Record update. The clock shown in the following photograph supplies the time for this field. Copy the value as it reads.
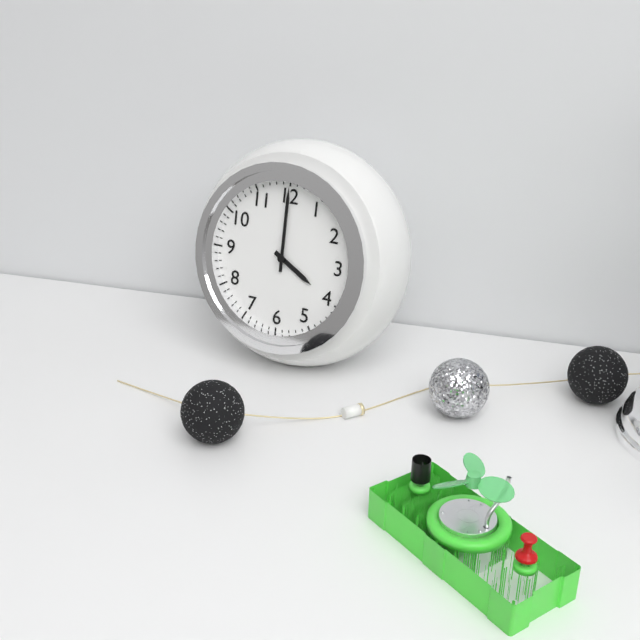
4:00
